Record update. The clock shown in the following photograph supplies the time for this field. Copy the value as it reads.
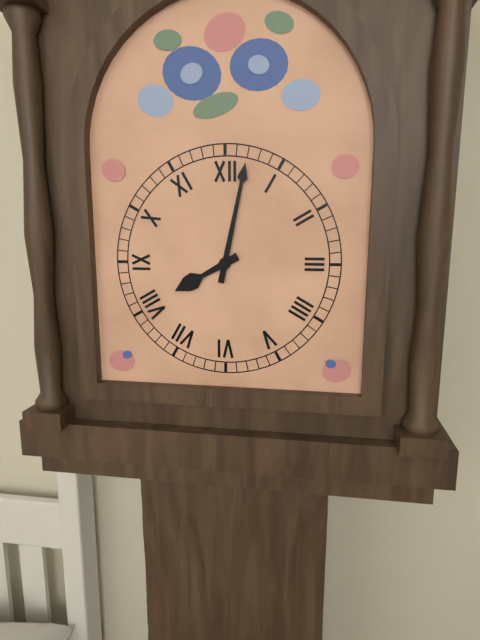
8:02
